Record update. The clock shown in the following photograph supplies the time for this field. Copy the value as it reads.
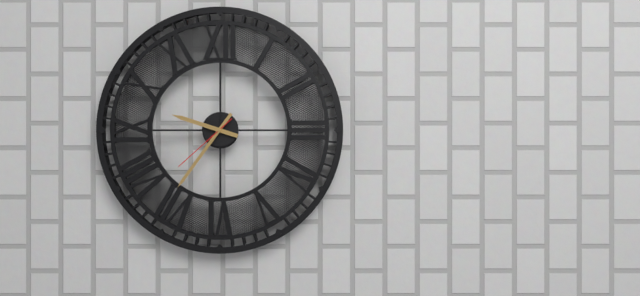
9:36:38
